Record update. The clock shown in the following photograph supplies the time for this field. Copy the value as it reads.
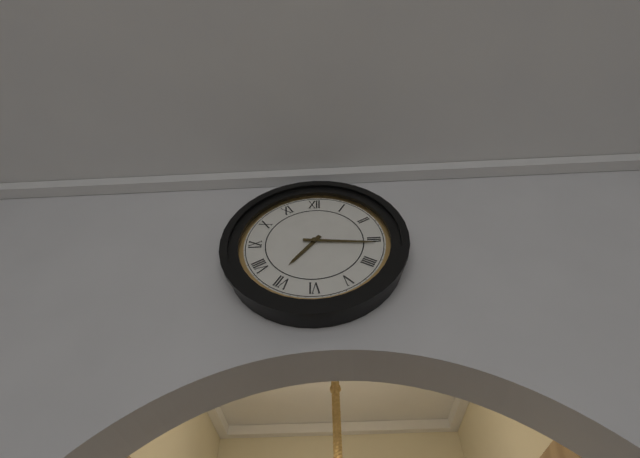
7:16
